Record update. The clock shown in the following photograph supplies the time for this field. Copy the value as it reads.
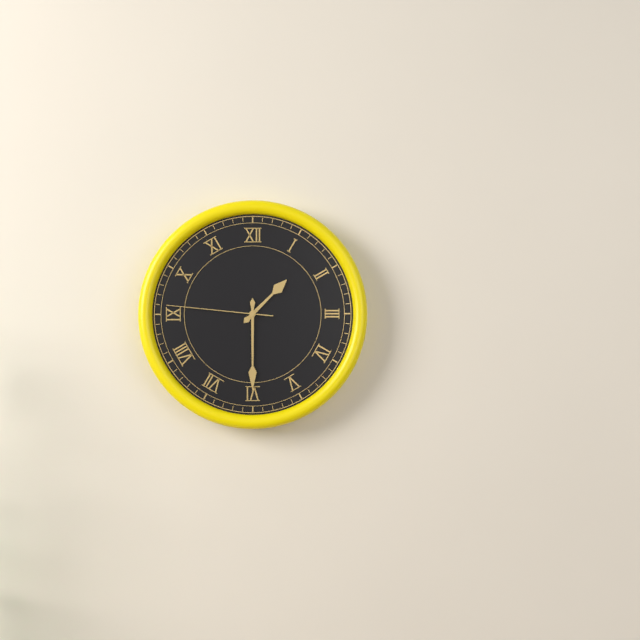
1:30:46
